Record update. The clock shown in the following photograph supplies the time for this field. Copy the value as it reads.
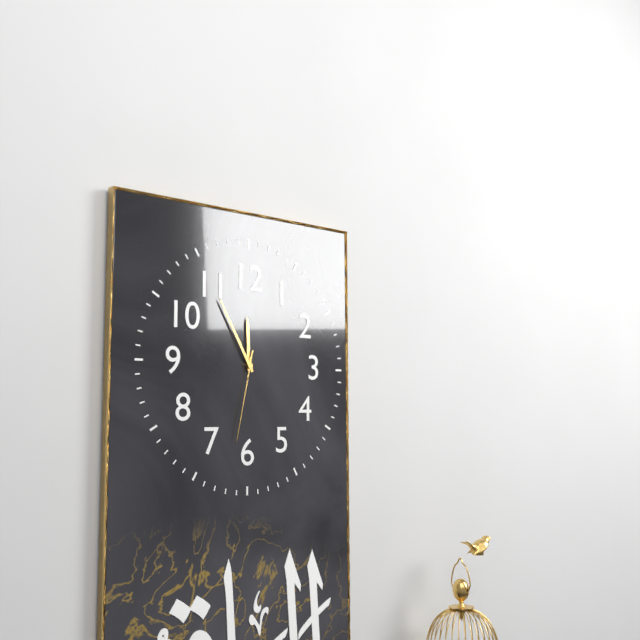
11:55:32
